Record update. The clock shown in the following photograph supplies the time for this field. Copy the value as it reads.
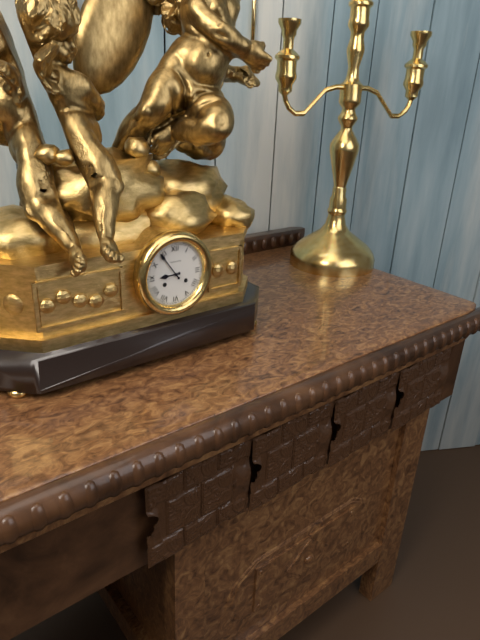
8:54
